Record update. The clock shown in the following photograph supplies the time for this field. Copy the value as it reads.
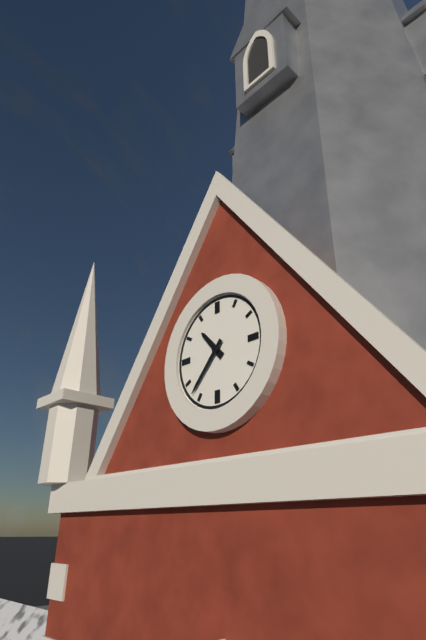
10:37
